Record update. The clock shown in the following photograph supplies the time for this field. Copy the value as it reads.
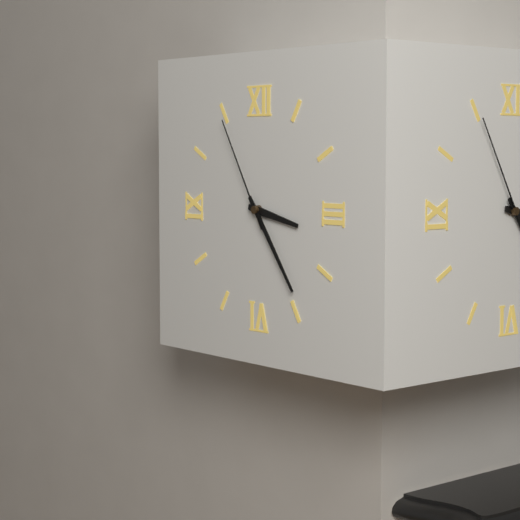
3:24:55
